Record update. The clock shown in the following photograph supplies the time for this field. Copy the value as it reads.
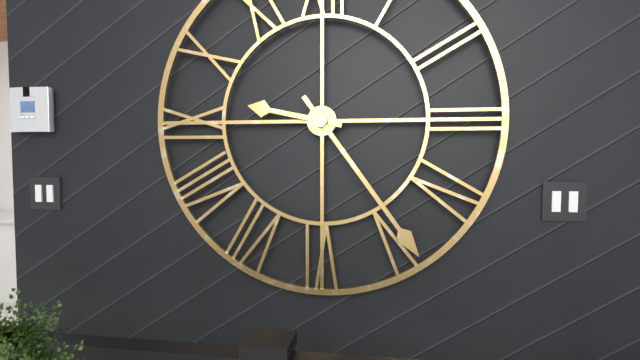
9:24
